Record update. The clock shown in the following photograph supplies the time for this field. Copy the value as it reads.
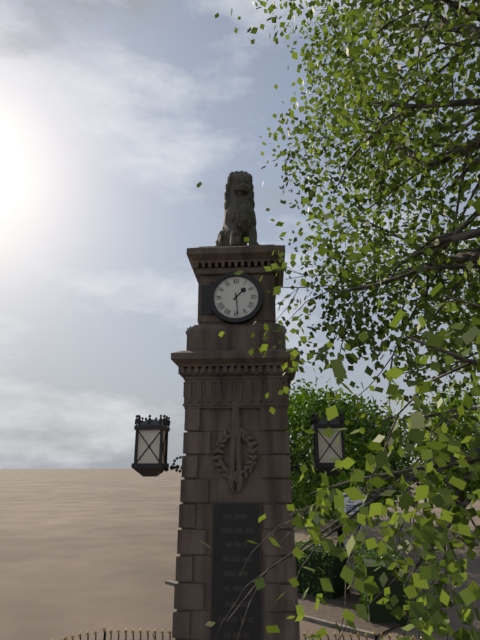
1:29
